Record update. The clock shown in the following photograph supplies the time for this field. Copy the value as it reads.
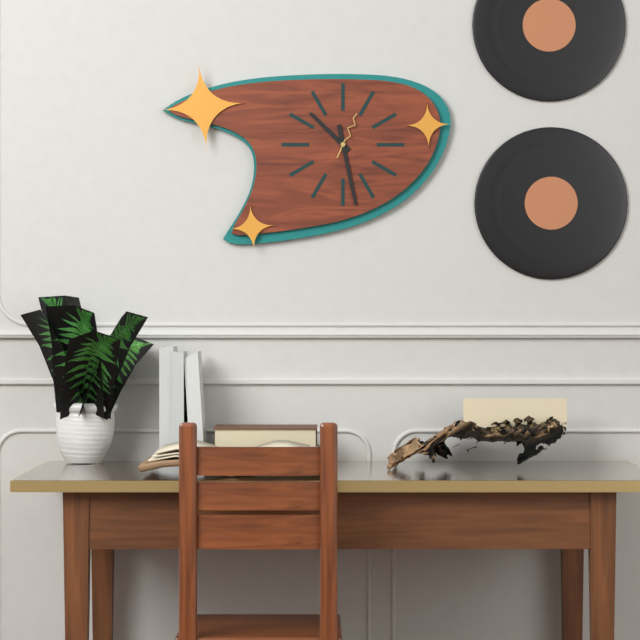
10:28
